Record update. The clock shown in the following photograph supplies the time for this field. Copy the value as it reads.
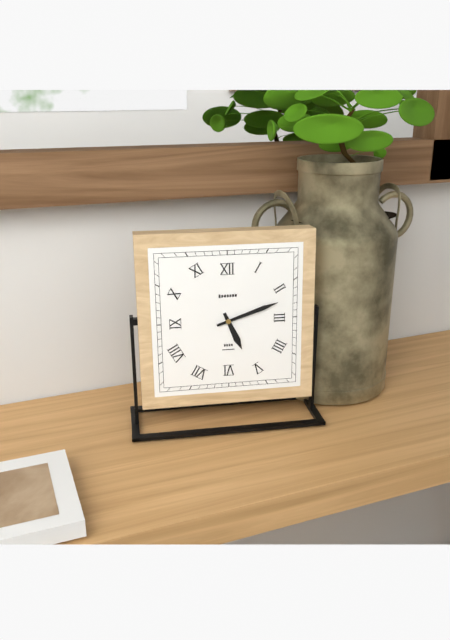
5:12
